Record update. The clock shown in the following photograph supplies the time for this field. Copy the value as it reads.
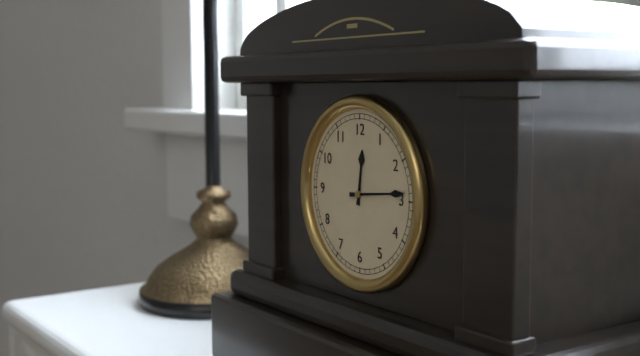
12:14
